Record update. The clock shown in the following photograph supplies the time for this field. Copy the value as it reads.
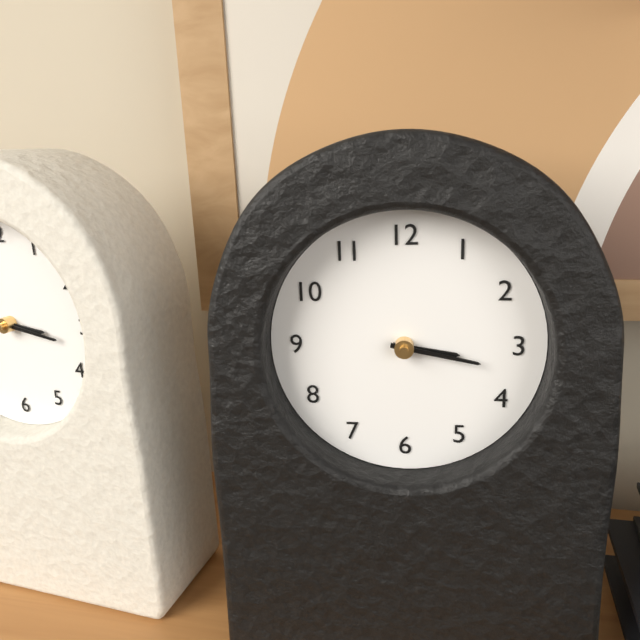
3:17
